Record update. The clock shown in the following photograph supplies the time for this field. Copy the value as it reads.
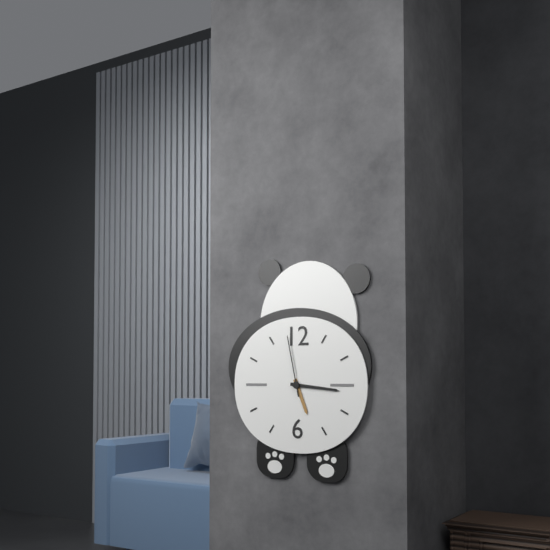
5:16:58
